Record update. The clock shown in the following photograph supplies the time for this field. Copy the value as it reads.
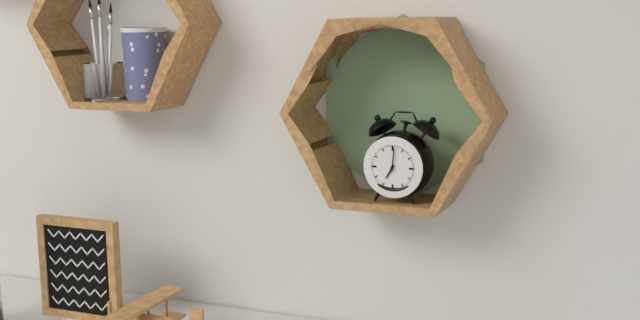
7:01
